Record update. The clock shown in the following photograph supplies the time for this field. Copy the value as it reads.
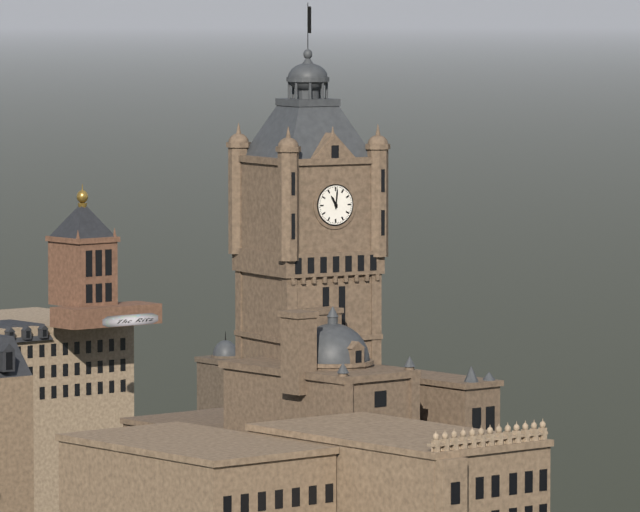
11:01
